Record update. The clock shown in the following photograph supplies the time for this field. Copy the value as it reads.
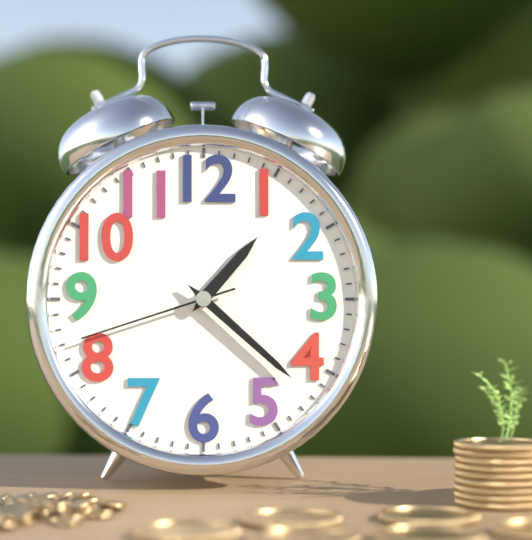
1:22:42
